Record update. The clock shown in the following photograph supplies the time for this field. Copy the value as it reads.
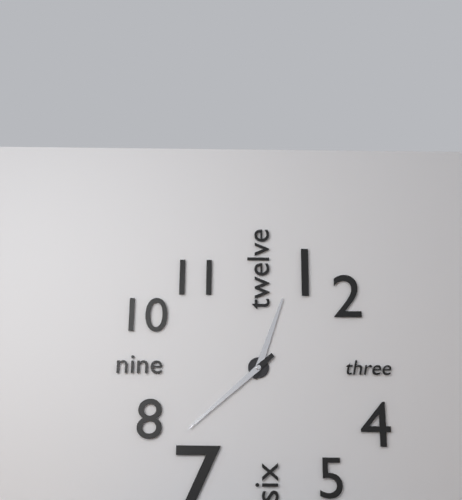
12:38
